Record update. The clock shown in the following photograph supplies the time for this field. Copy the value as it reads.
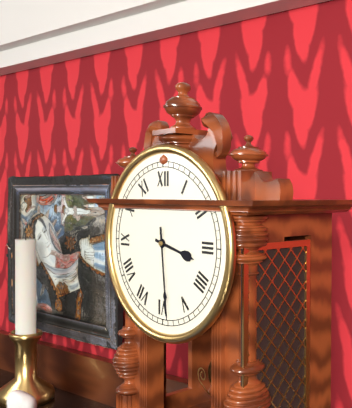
3:29
